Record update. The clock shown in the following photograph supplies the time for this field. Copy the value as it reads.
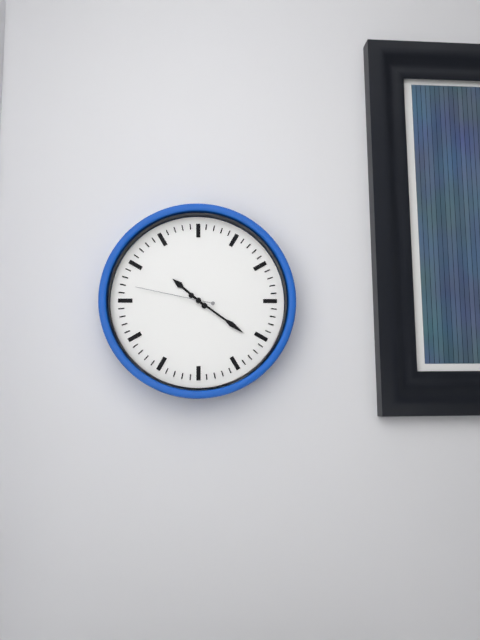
10:21:47
